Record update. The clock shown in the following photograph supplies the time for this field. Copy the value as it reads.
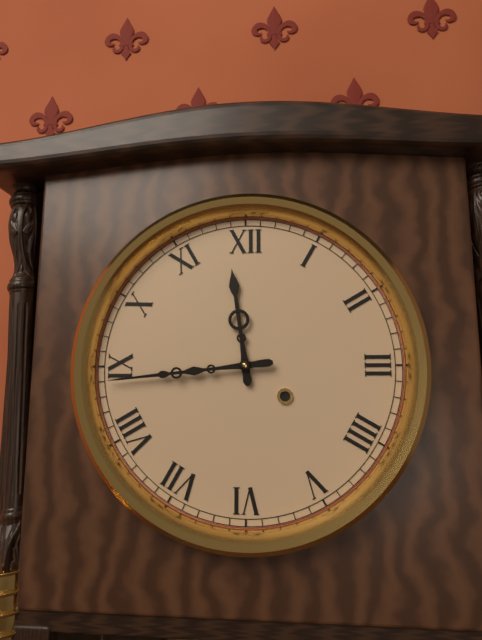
11:44
